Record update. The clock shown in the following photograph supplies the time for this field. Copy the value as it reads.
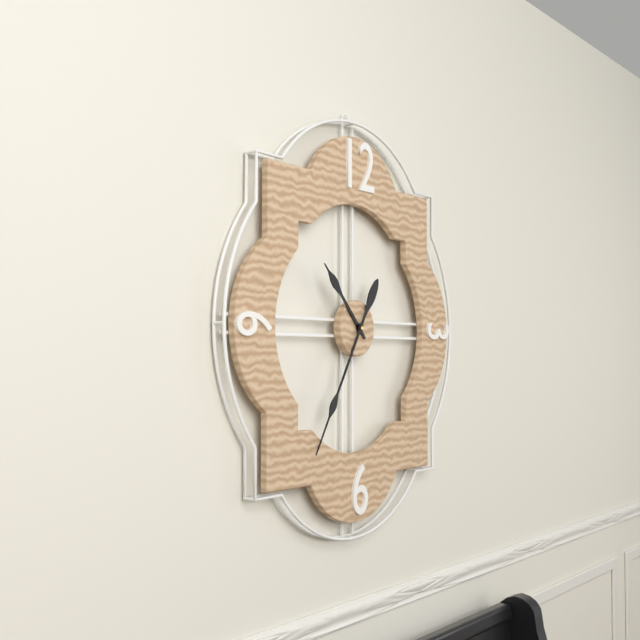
10:35
